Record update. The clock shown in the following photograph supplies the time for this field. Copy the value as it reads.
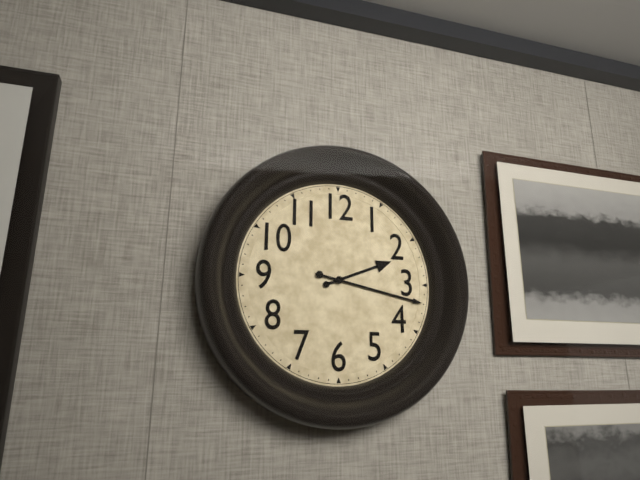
2:17
